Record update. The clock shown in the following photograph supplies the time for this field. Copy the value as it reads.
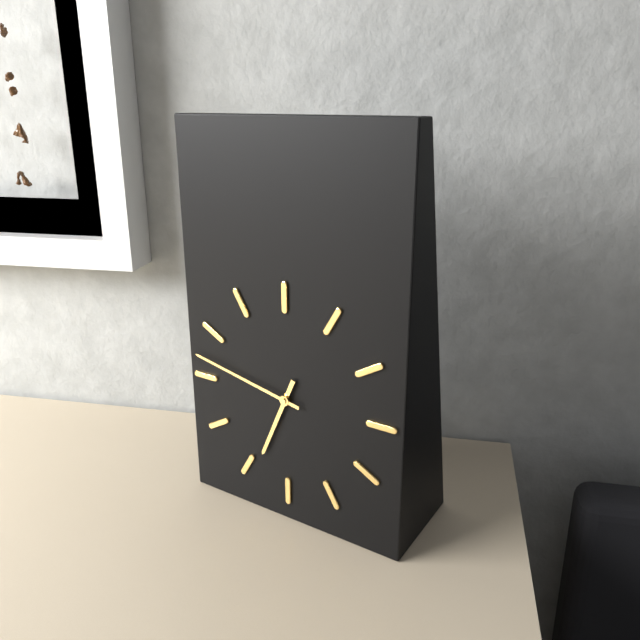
6:47
